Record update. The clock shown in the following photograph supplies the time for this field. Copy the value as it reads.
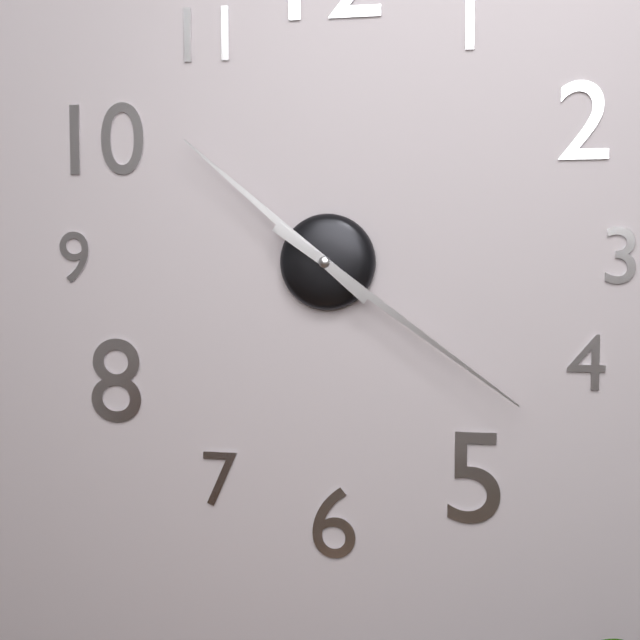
10:21
